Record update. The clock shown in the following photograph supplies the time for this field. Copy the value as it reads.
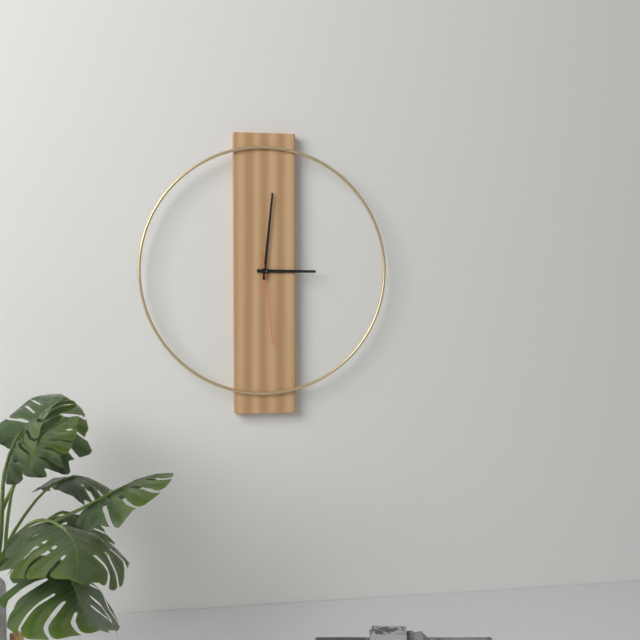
3:01:29
